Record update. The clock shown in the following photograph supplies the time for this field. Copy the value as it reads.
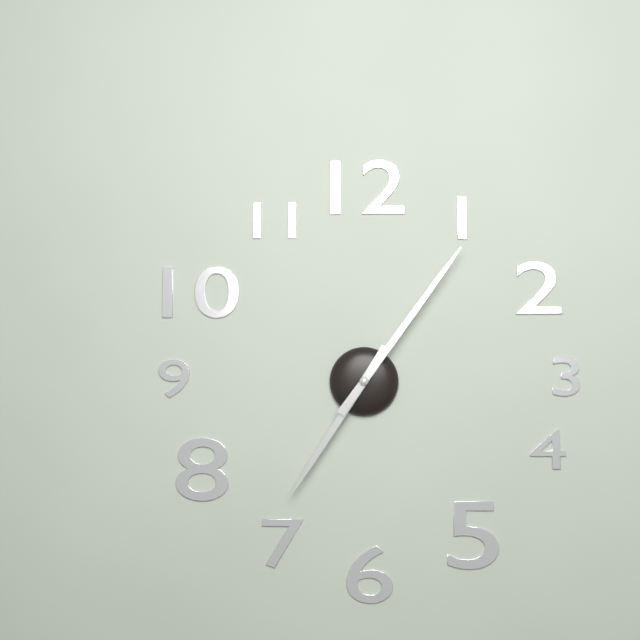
7:06
